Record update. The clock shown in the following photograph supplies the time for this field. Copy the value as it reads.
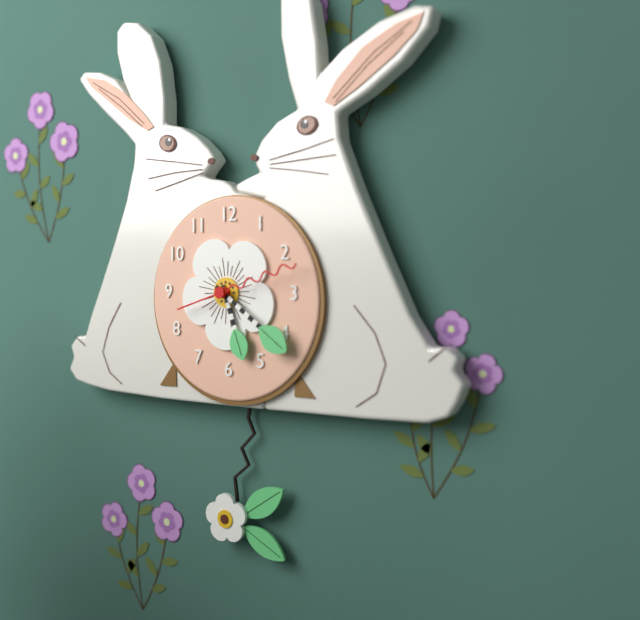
5:21:12
